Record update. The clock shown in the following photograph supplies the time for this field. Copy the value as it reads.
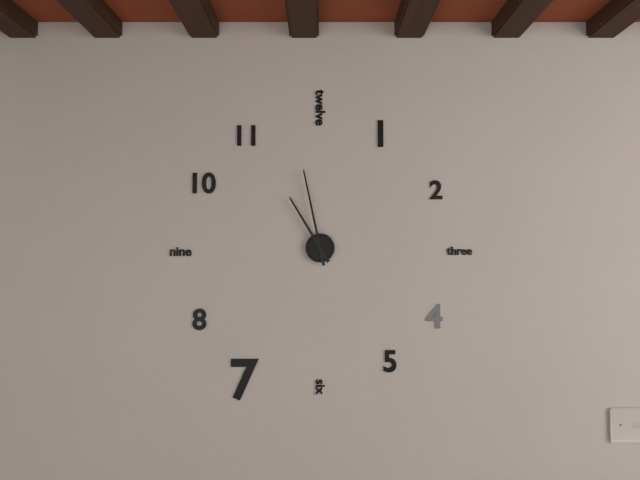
10:58
